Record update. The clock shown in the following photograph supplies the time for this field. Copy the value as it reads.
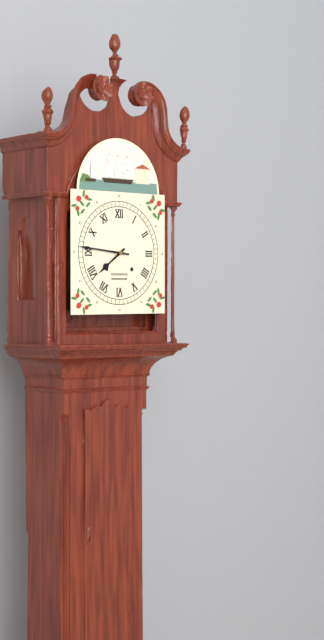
7:46
